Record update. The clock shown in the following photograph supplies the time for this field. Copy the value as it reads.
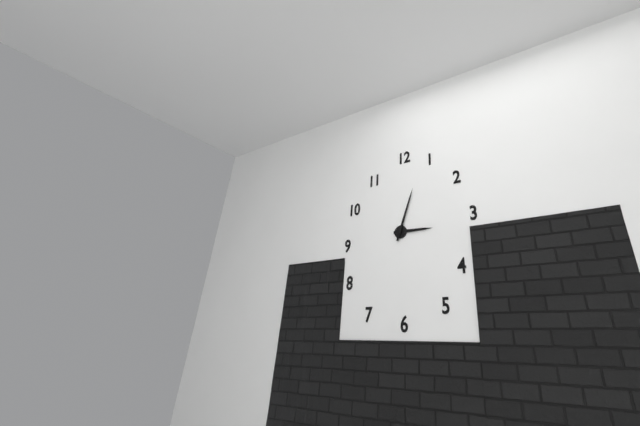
3:03
